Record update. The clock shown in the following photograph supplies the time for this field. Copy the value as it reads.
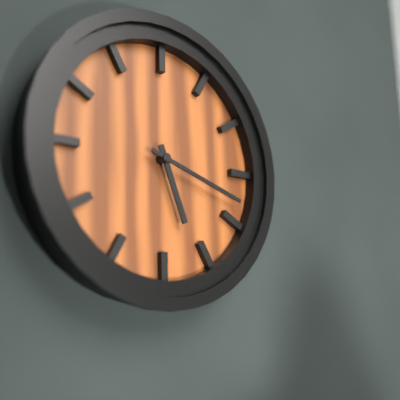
5:18
